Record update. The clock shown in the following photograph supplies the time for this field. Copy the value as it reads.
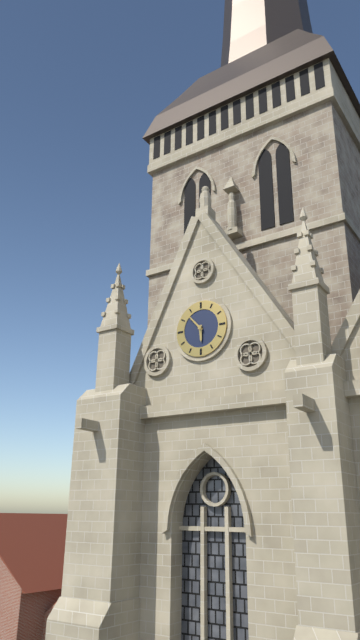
5:53
